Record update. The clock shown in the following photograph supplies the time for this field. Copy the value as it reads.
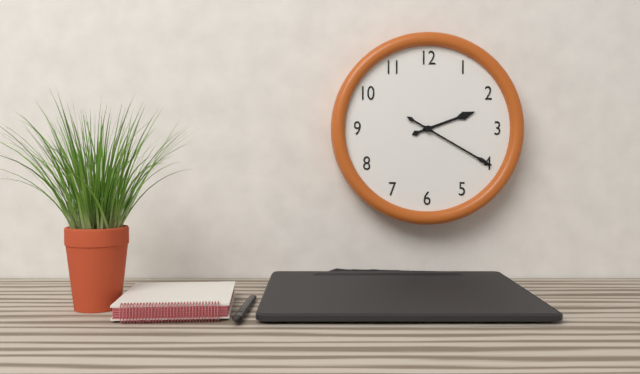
2:20
